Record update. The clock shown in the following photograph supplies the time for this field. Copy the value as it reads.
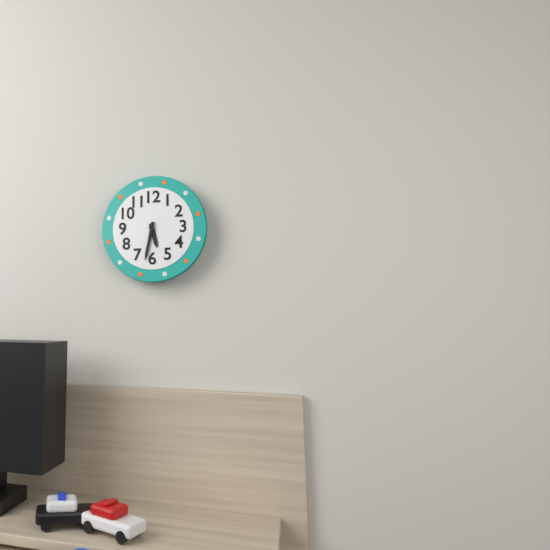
5:32
